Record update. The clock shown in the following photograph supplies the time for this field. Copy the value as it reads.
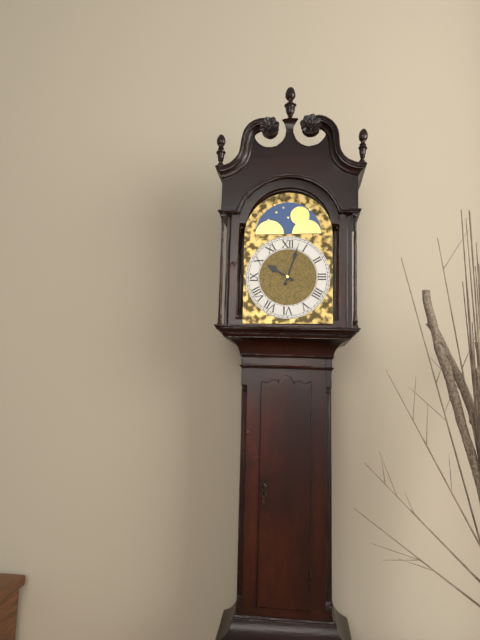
10:03
